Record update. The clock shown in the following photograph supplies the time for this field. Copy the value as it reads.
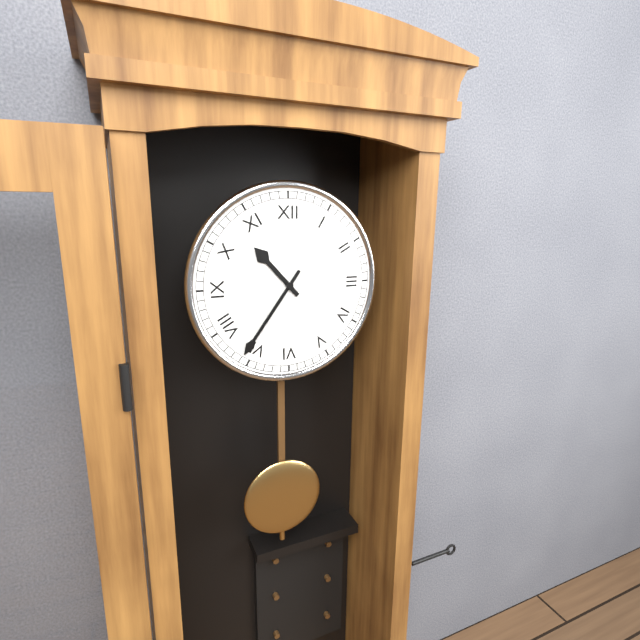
10:36
